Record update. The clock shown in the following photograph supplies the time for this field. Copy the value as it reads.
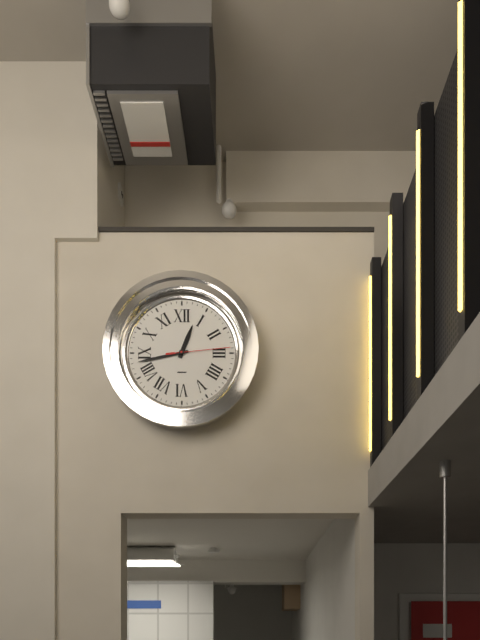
12:43:14
